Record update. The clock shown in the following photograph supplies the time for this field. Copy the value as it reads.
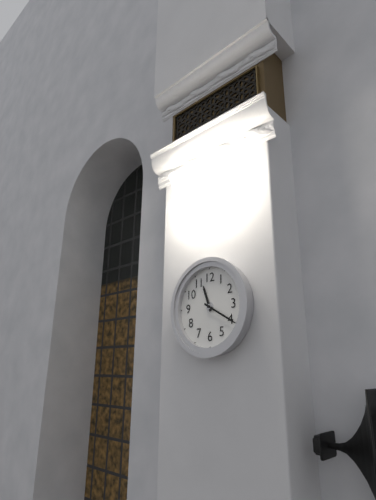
11:20
